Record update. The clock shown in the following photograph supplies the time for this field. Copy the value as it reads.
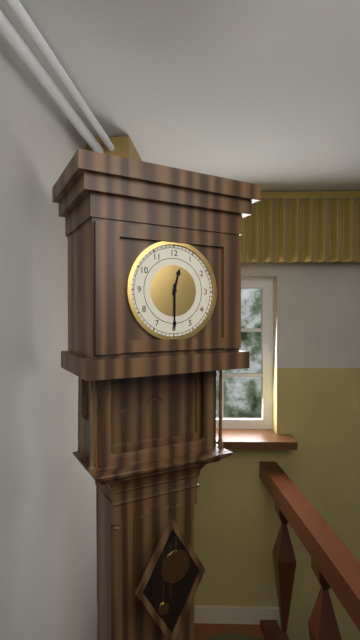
12:30
